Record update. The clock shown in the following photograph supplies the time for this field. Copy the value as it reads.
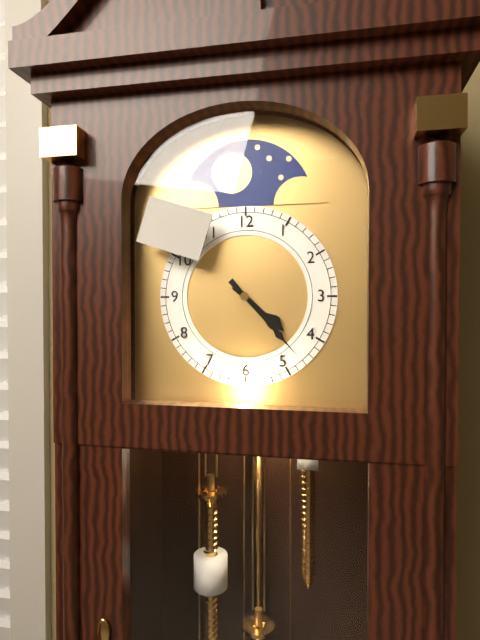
4:23
